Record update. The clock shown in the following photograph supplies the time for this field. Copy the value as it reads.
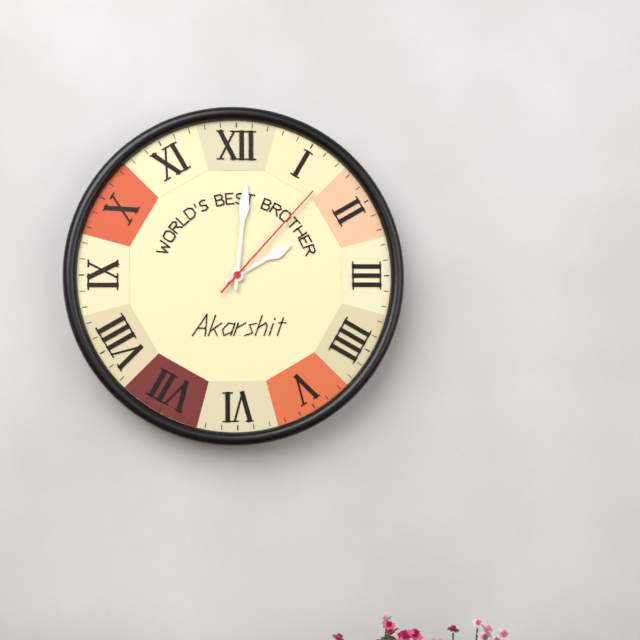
2:01:07
